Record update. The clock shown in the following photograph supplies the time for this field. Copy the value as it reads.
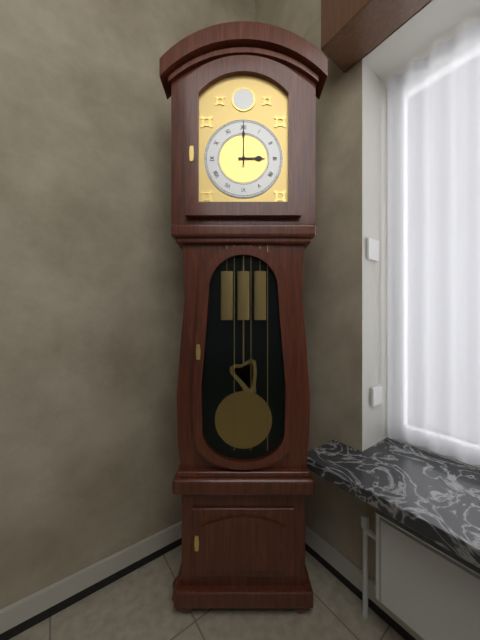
3:00
